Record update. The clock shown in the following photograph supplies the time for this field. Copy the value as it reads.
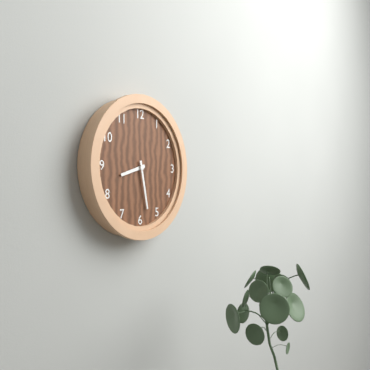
8:28
